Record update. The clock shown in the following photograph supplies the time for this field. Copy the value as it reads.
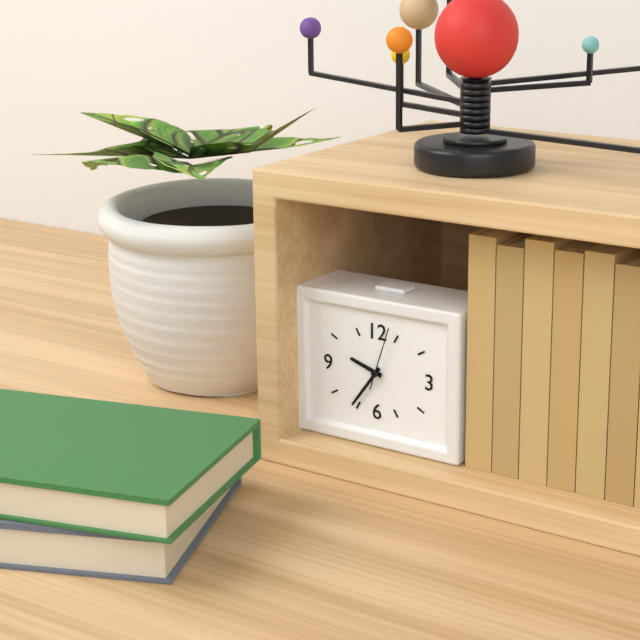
9:36:03
